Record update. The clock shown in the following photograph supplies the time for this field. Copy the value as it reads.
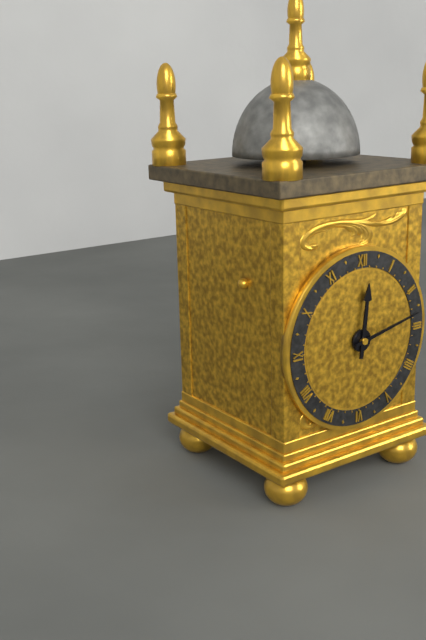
12:13
